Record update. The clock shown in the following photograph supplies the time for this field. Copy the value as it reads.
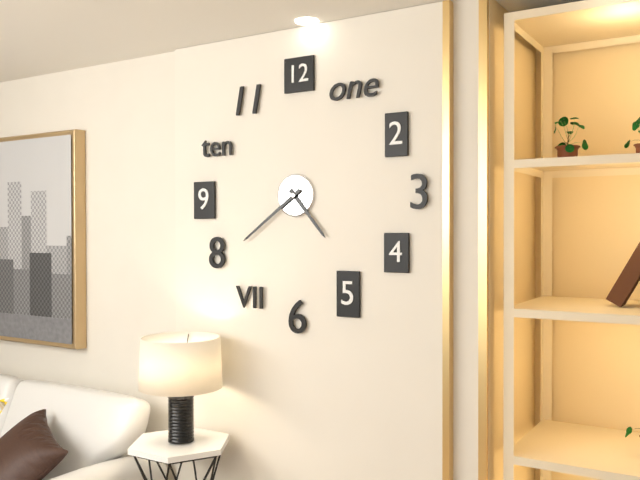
4:39
